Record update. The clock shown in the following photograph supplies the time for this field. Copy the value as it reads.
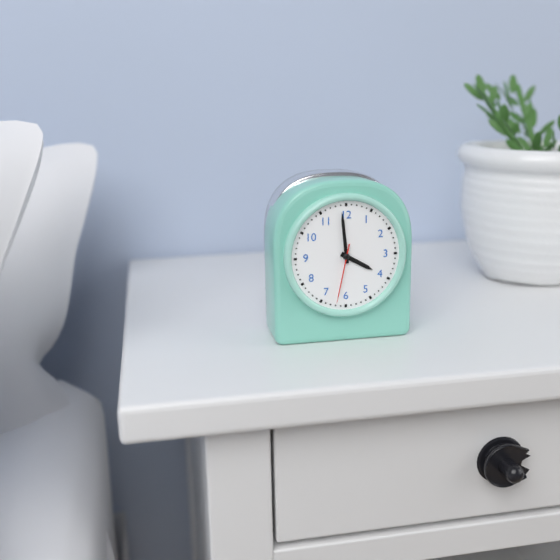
3:59:32
